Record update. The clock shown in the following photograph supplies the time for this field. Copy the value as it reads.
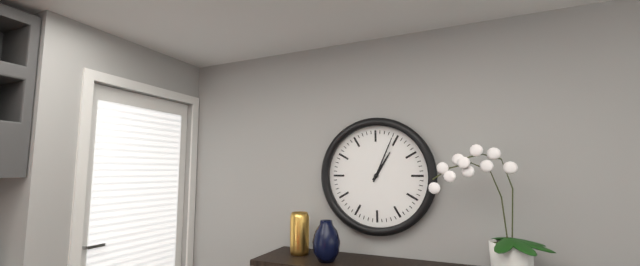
1:04
